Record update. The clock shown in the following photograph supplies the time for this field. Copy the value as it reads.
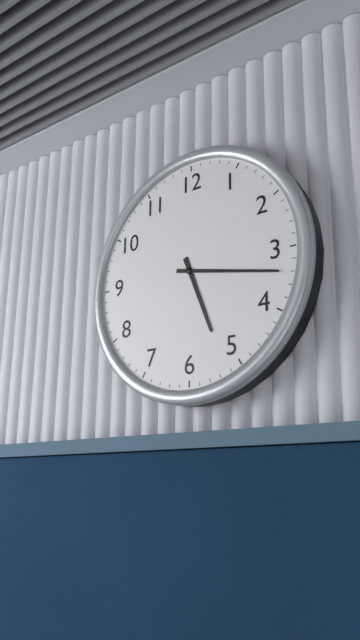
5:17
